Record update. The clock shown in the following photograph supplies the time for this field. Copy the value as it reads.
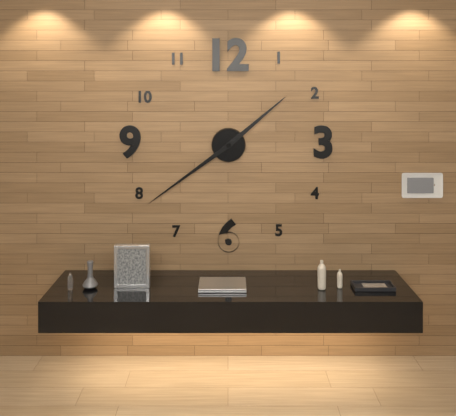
1:39
